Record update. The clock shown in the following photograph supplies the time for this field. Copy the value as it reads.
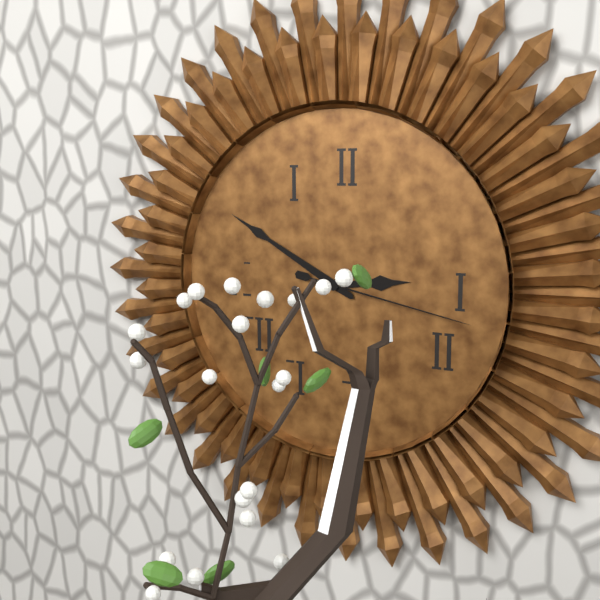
2:50:17
